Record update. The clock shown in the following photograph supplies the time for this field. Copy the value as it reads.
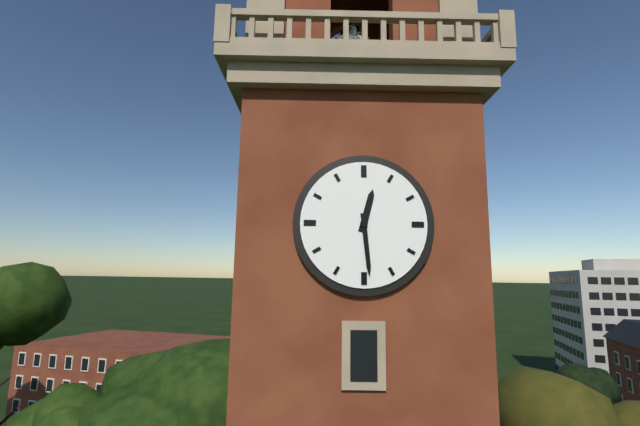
12:29
